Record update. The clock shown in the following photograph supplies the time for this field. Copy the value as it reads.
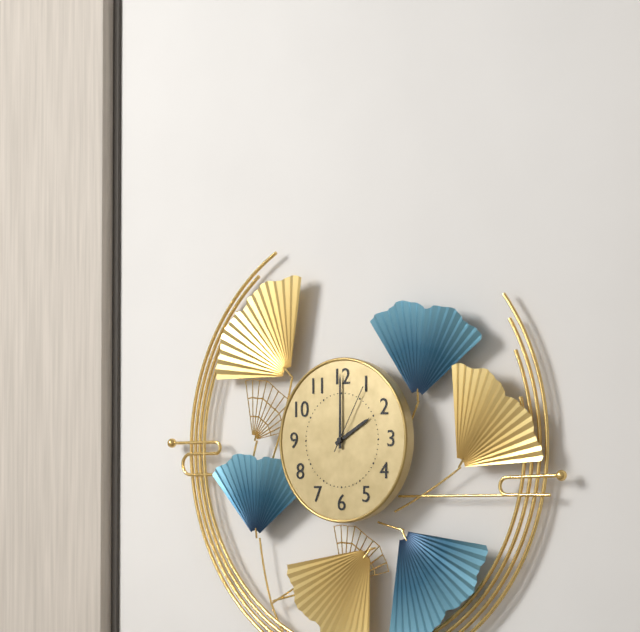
2:00:05
